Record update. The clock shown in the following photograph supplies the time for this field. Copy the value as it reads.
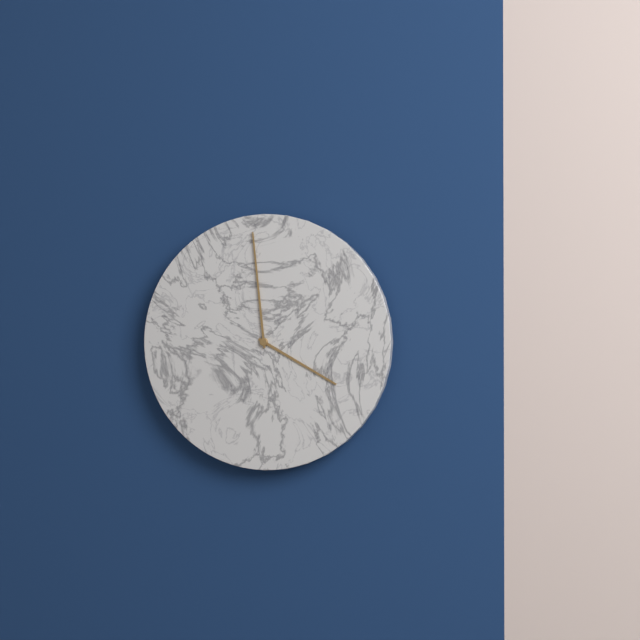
3:59
